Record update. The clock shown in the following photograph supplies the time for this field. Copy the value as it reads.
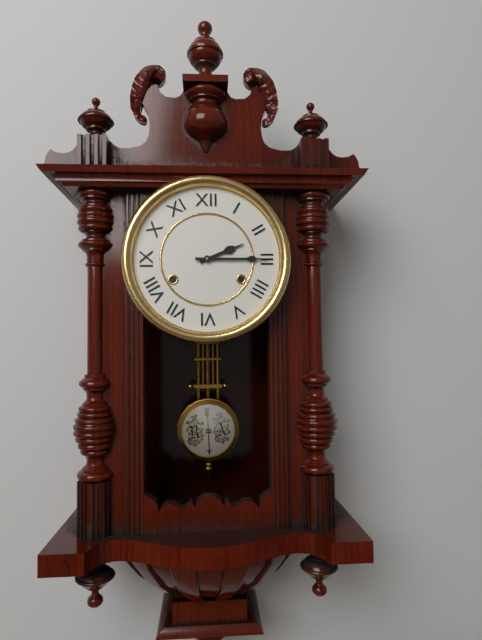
2:15
